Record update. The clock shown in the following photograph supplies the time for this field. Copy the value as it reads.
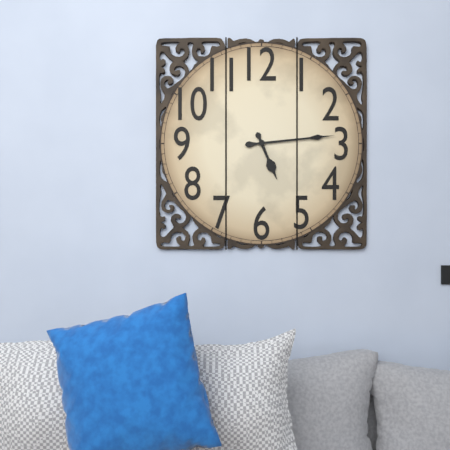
5:14
